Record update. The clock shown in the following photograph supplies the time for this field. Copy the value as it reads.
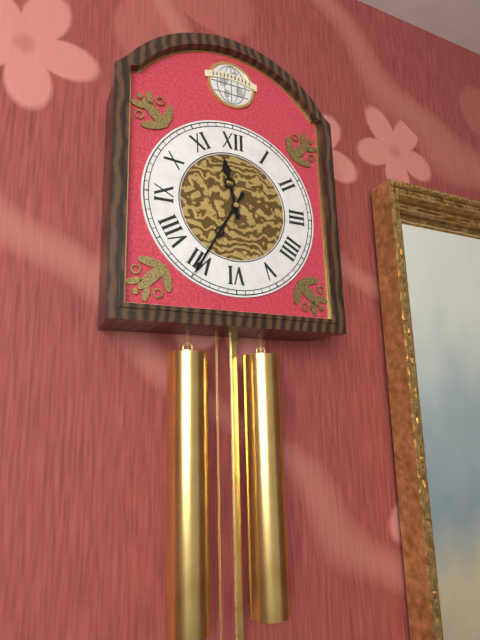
11:35
